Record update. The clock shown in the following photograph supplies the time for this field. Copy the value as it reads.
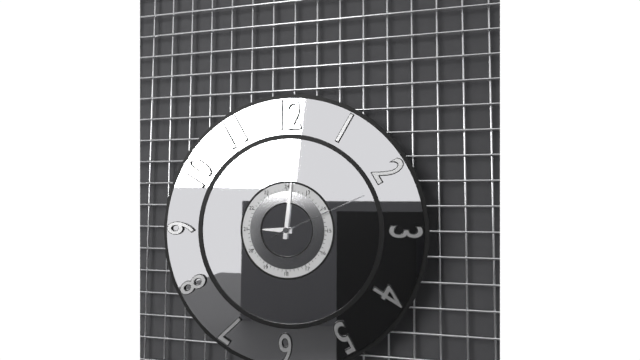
9:01:11
